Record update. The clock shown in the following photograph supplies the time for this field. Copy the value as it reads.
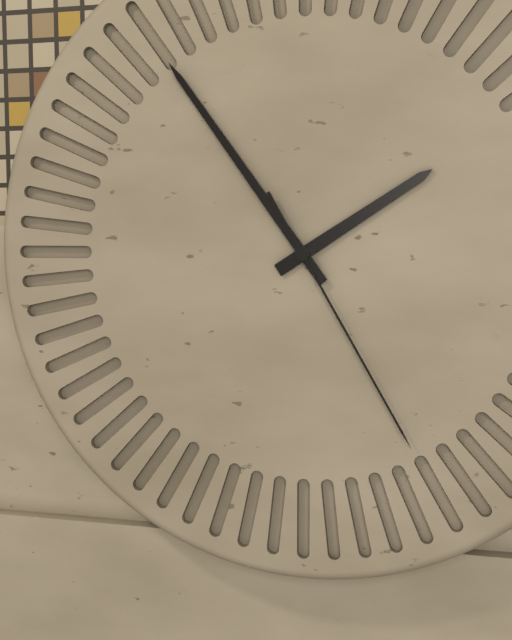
1:54:25
